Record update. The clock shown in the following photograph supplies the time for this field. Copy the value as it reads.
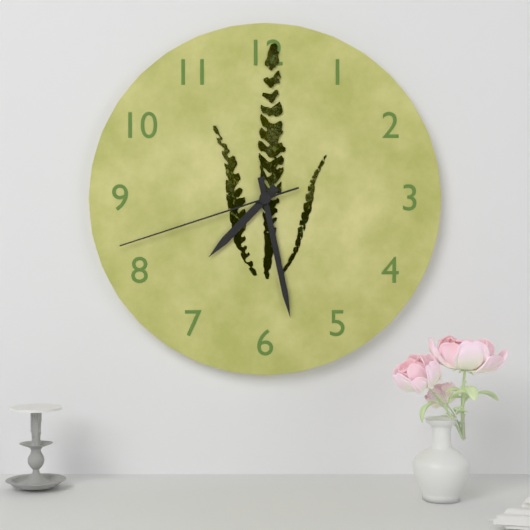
7:28:42
